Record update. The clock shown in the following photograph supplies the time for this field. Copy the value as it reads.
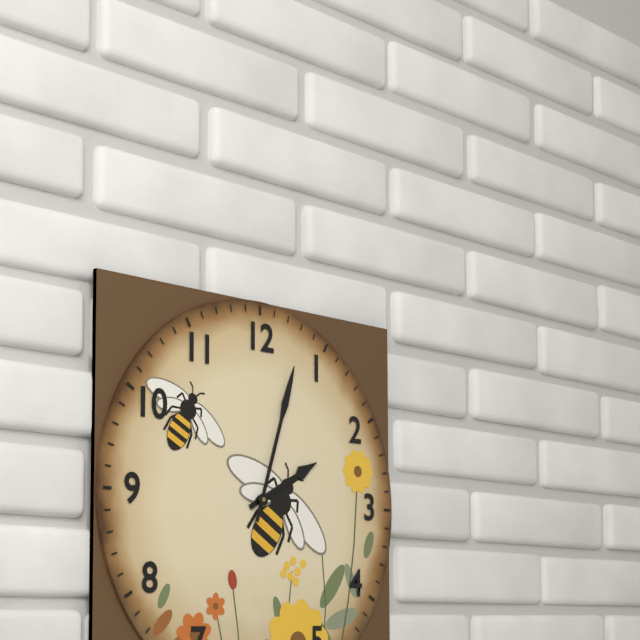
2:03
